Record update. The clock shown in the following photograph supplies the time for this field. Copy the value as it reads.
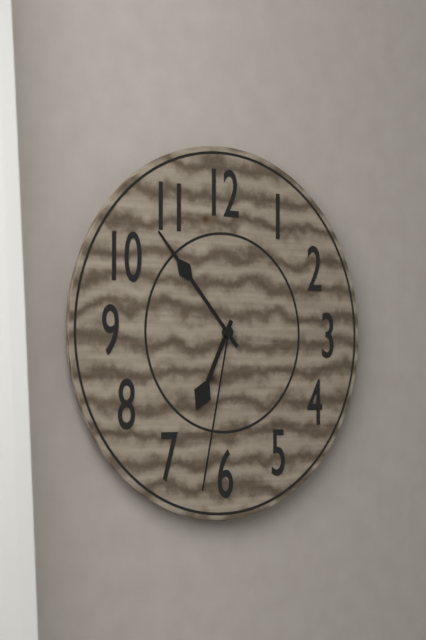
6:53:32
